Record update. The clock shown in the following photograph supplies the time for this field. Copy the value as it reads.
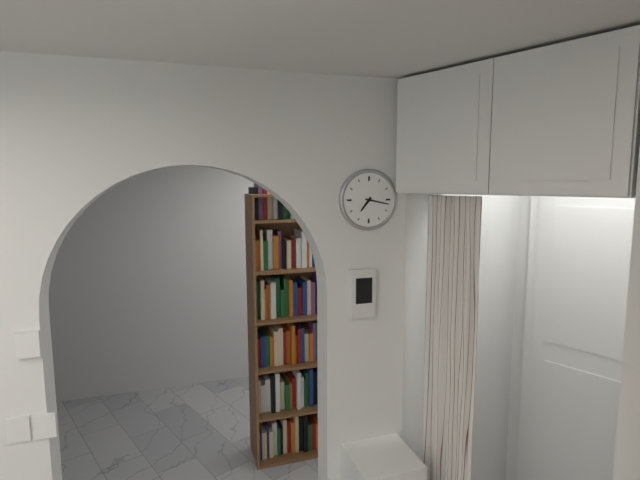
7:17
